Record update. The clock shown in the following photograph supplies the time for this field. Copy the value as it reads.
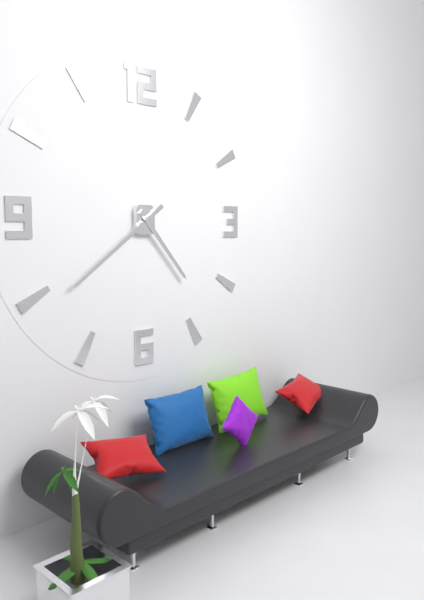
4:39
